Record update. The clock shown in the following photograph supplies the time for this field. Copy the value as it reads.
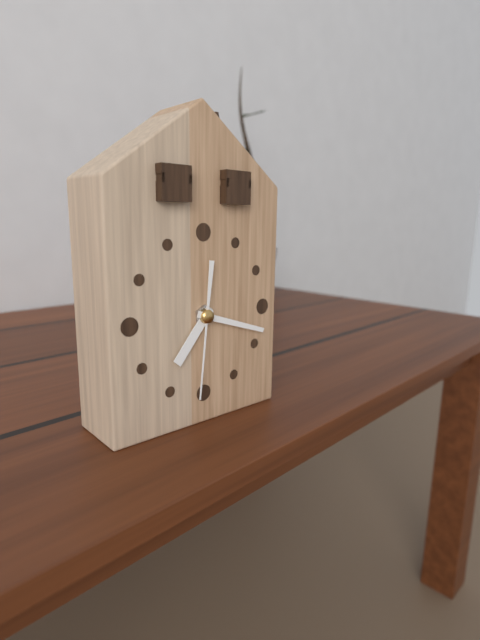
7:18:31
